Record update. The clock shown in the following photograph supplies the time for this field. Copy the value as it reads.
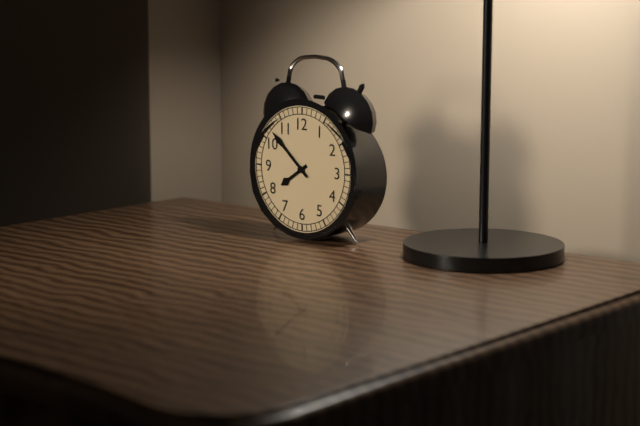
7:52
